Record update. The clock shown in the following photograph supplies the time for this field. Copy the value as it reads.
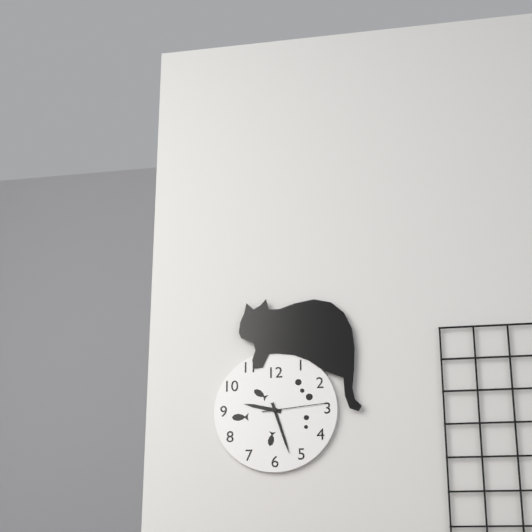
9:27:14
